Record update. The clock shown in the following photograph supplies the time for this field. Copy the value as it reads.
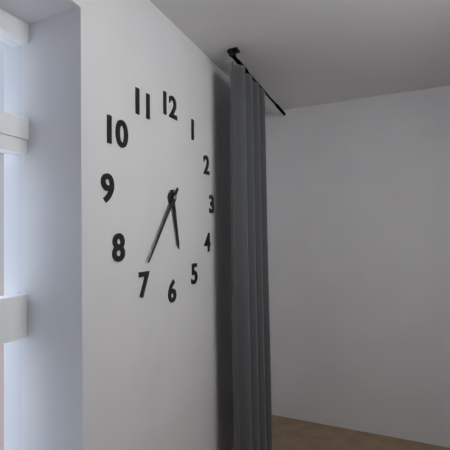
5:36
